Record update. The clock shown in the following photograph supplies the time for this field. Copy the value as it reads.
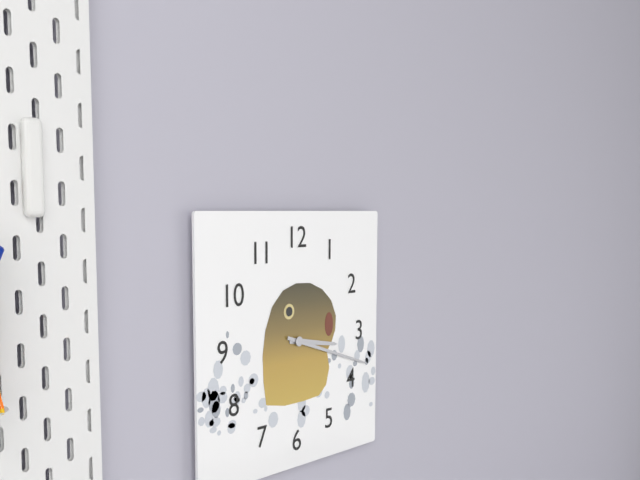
3:18
